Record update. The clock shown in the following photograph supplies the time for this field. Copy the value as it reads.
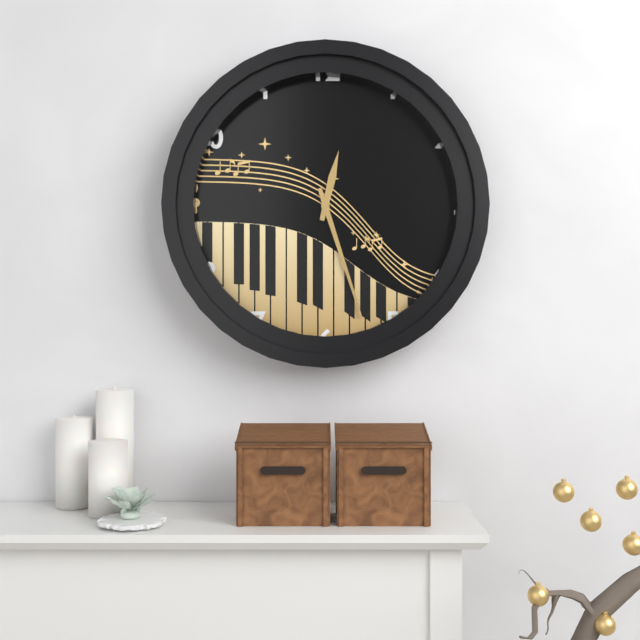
12:27
